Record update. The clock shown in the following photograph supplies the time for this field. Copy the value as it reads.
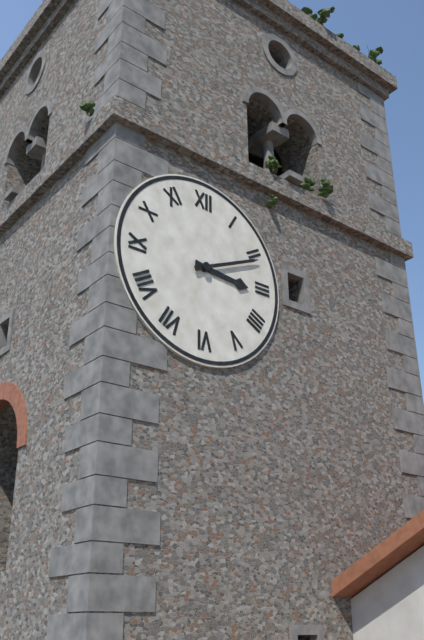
3:11
